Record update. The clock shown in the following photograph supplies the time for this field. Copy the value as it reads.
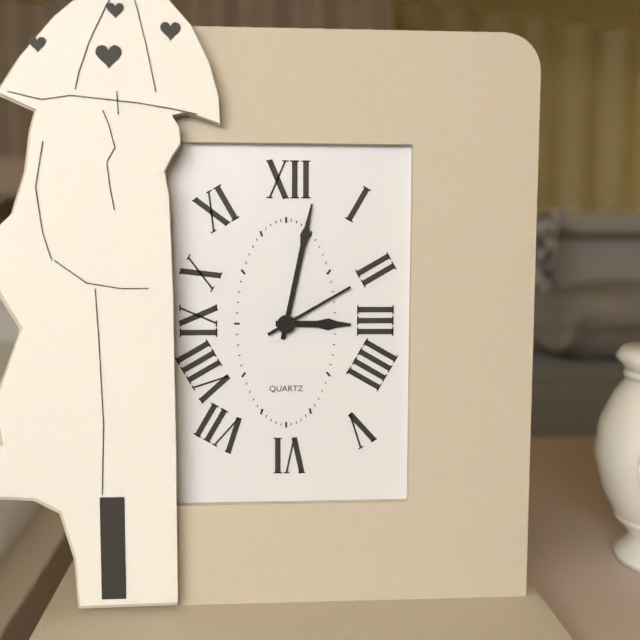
3:02:10
